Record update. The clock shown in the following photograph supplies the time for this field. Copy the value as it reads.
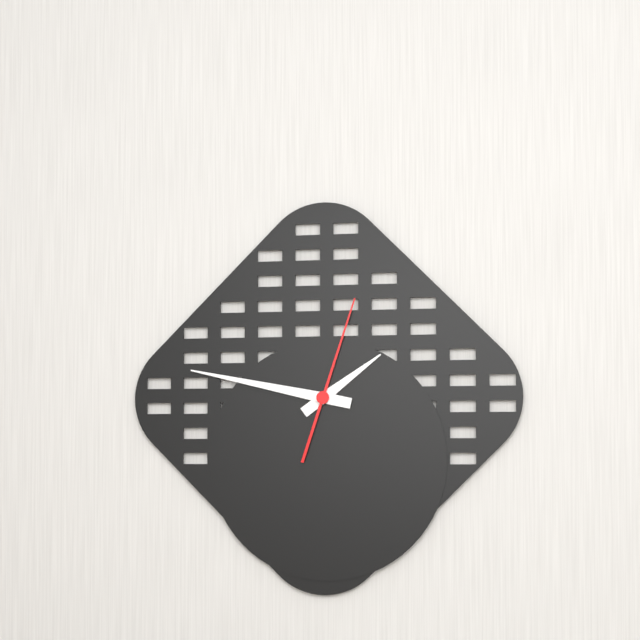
1:47:03
